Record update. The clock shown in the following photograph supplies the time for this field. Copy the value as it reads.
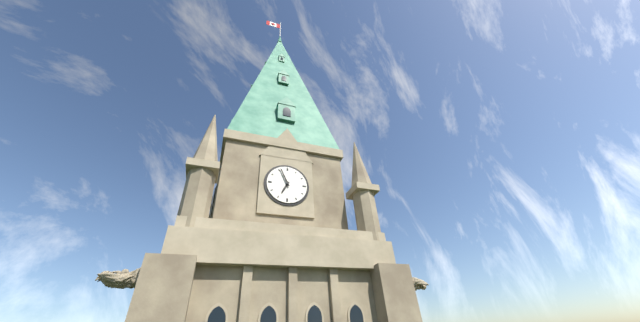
6:56
